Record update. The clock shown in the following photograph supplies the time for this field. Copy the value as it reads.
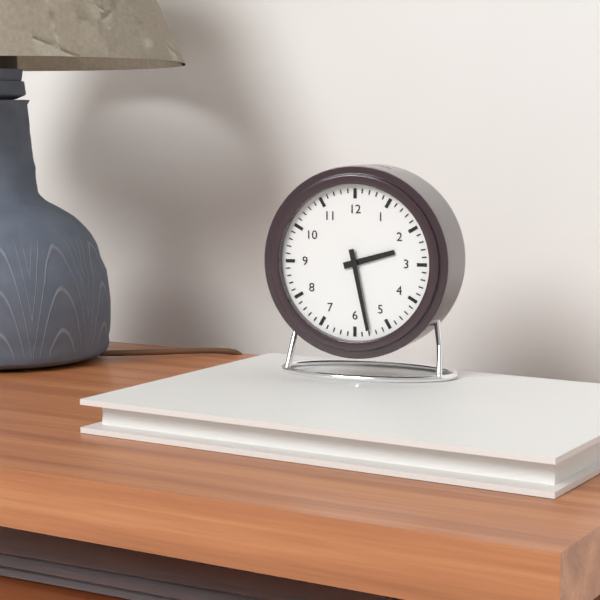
2:28
